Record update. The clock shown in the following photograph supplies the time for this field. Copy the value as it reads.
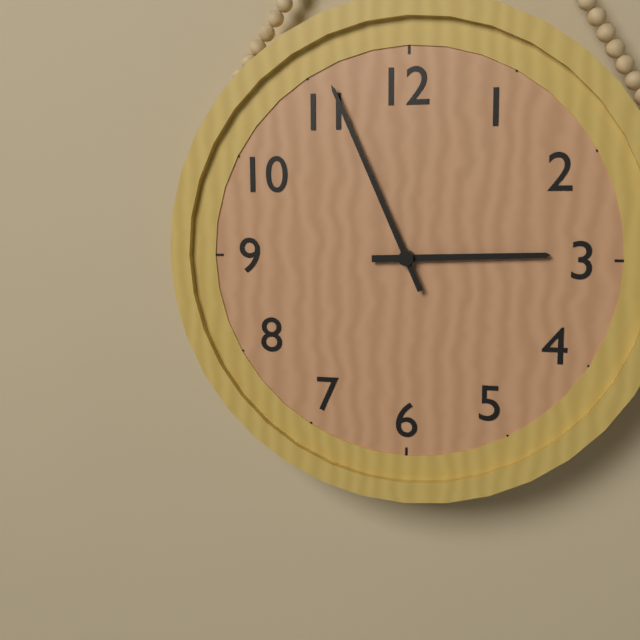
2:56
